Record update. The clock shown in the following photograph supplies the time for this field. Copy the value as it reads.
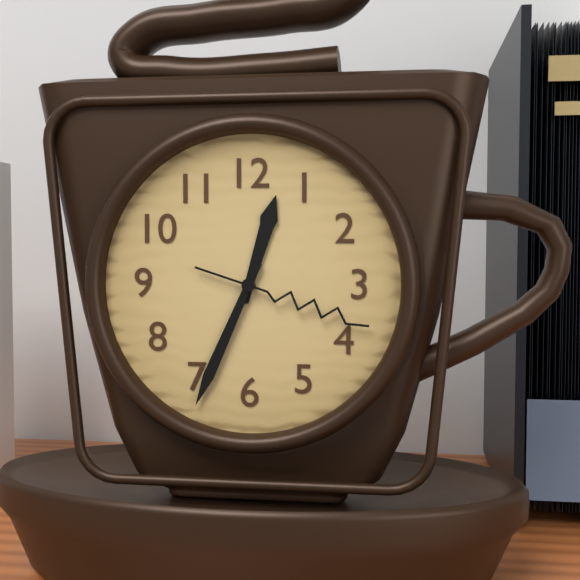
12:34:18
